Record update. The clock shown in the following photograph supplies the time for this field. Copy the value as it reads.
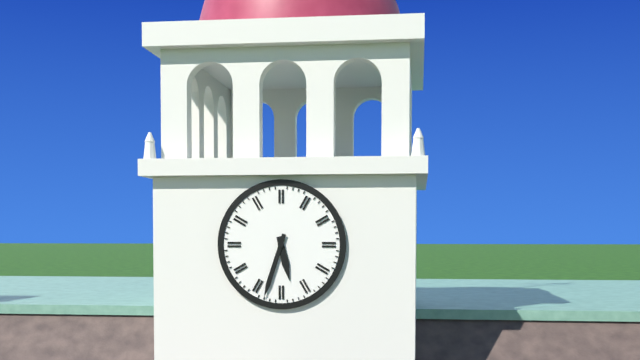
5:33
